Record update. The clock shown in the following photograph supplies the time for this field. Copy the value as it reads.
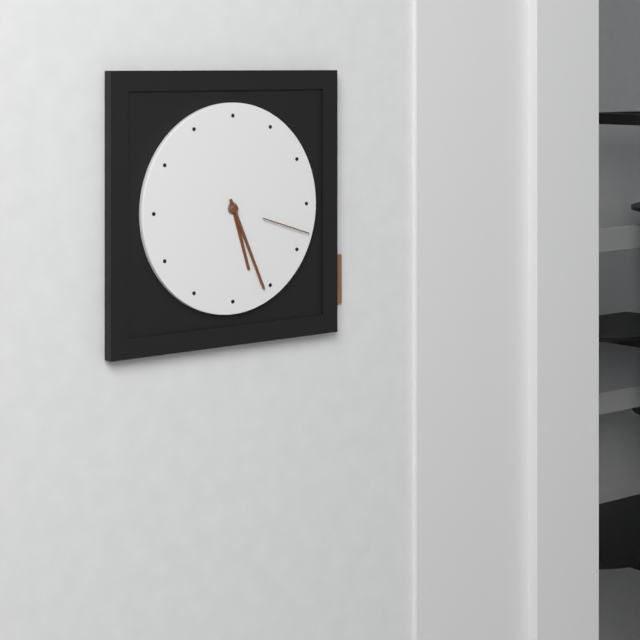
5:26:18
